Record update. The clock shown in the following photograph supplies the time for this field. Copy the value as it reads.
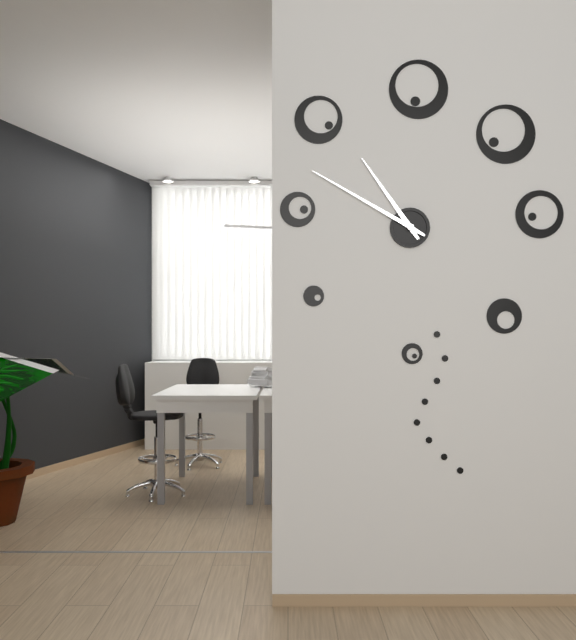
10:50
